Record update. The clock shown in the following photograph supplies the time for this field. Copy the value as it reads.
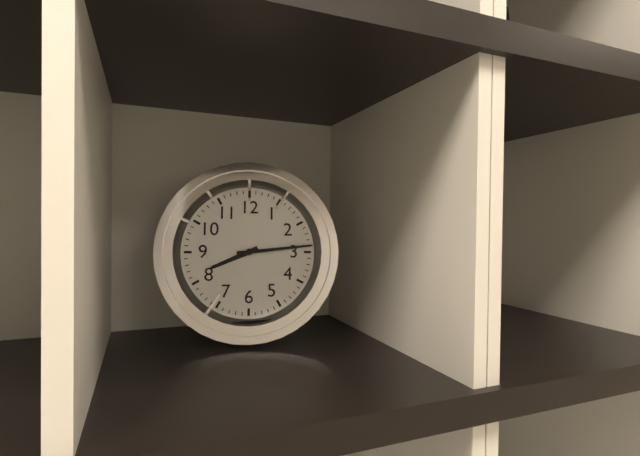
8:14
